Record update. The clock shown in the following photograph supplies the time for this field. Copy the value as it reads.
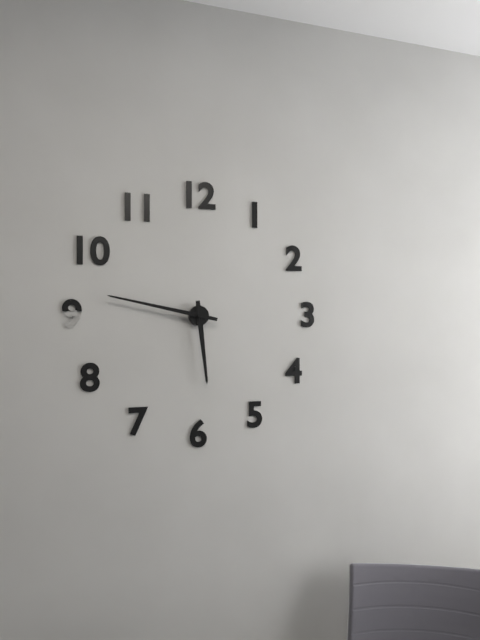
5:47
